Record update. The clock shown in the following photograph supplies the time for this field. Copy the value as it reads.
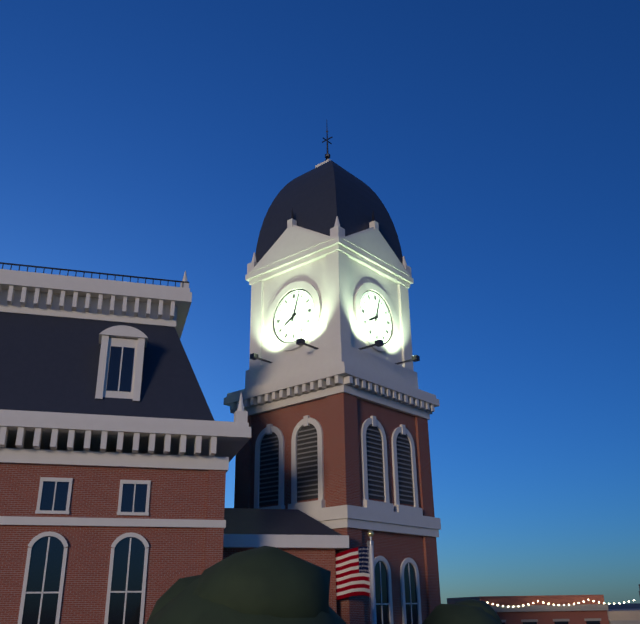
8:03
